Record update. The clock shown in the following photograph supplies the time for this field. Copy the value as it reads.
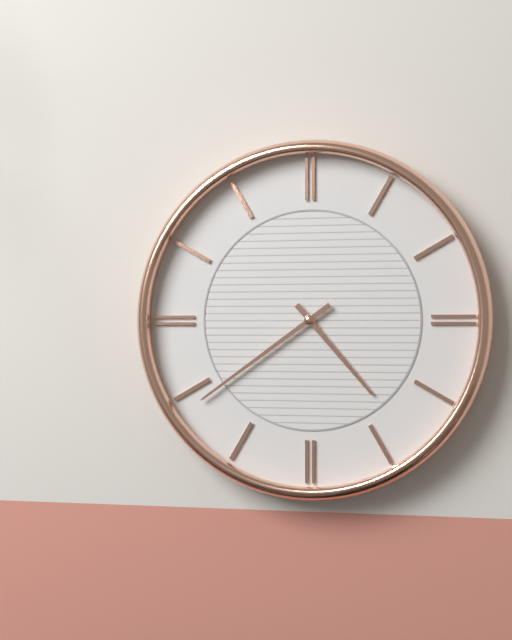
4:39
